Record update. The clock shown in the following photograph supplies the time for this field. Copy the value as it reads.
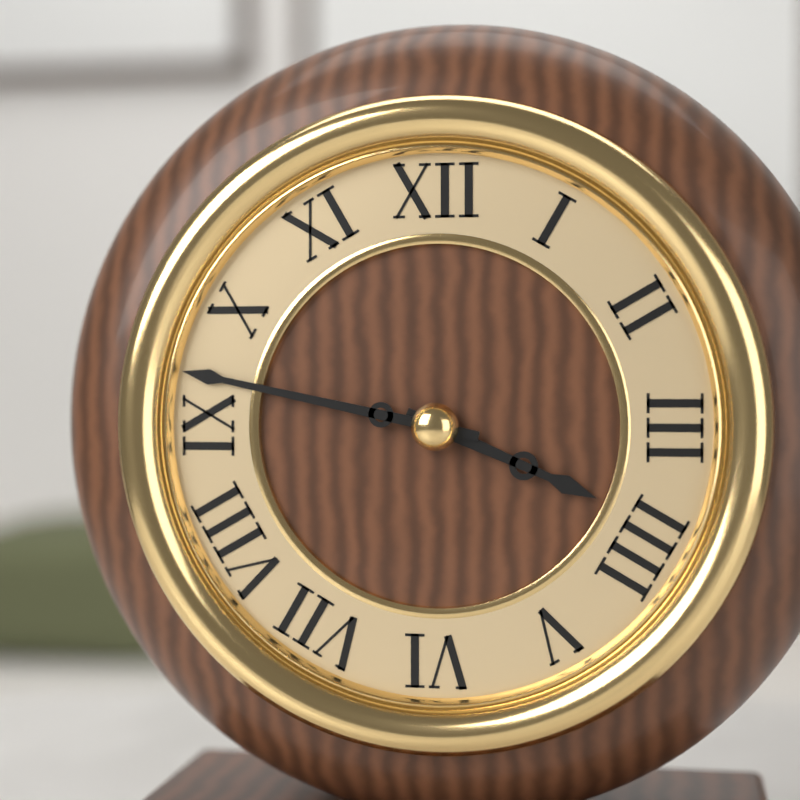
3:47
